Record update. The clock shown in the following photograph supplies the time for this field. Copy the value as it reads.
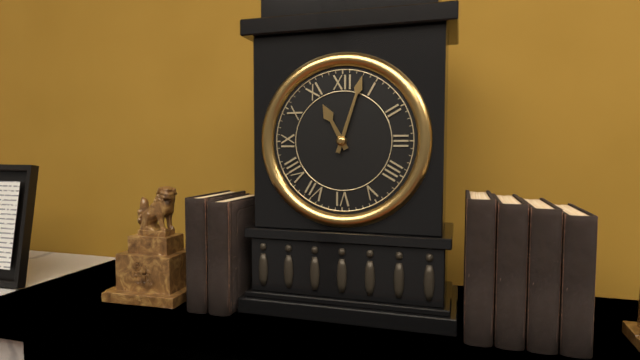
11:03
